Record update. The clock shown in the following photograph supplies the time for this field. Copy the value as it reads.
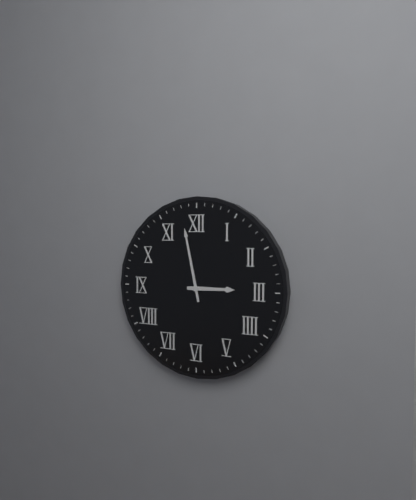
2:58
